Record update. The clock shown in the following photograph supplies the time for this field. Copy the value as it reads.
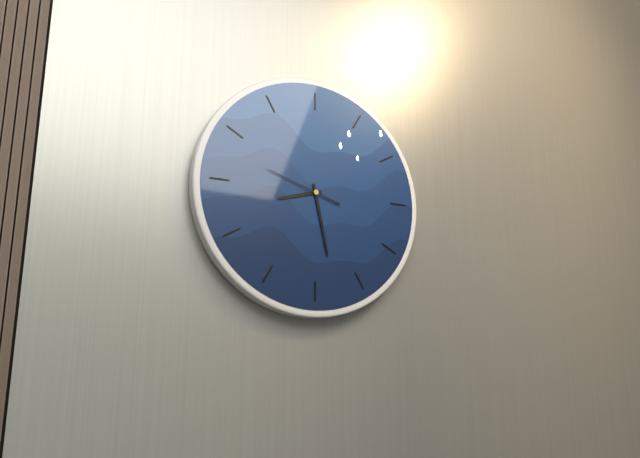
8:28:48
